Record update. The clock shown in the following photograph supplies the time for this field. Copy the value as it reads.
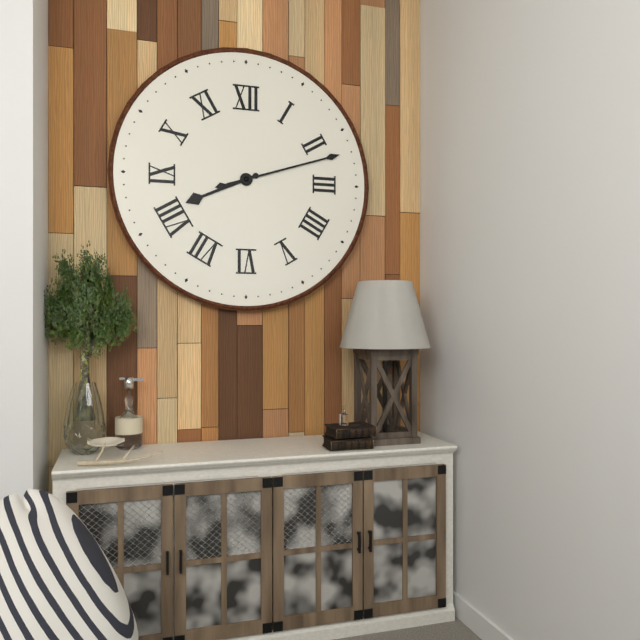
8:12
